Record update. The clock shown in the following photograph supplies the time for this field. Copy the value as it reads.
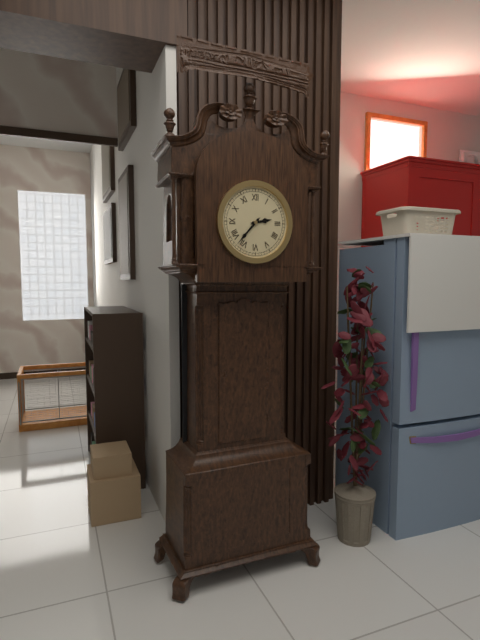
2:37
